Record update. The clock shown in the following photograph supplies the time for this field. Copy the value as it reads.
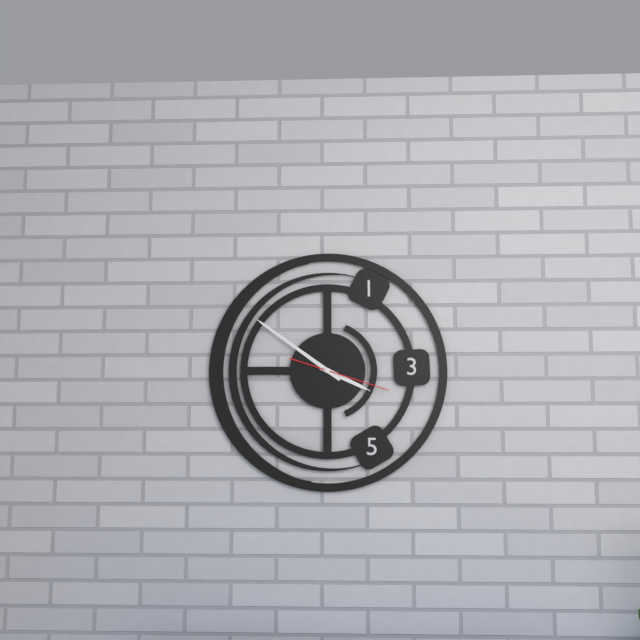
3:51:18
